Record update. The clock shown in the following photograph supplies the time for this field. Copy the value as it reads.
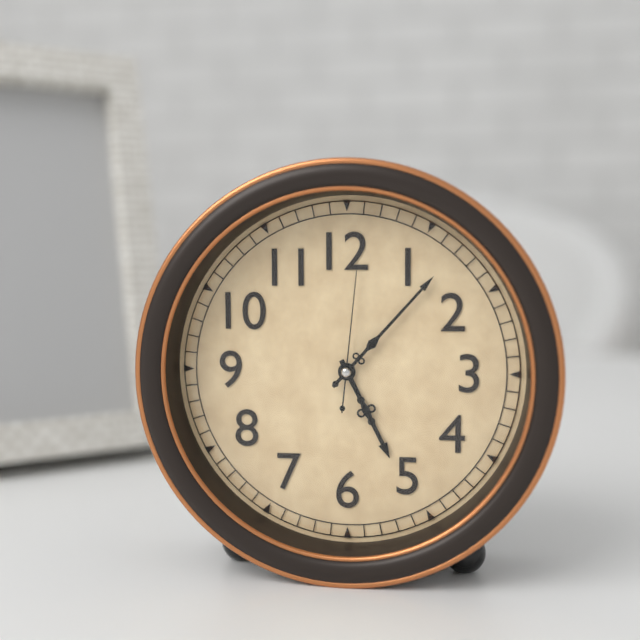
5:07:01
